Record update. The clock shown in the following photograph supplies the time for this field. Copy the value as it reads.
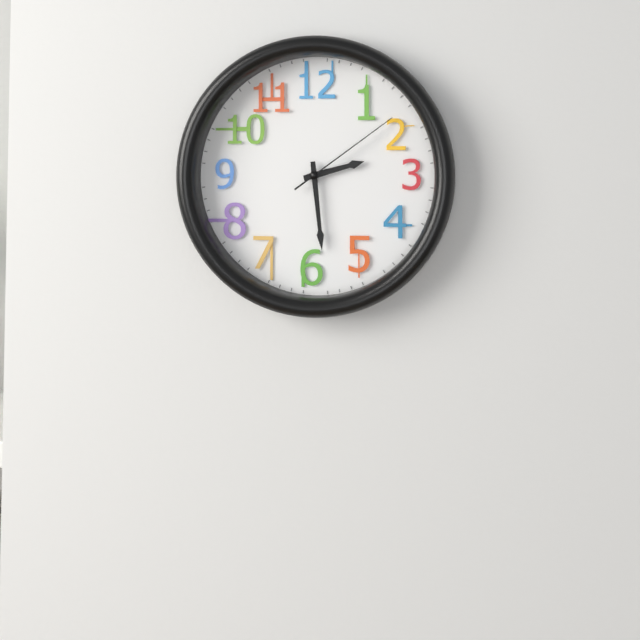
2:29:09
